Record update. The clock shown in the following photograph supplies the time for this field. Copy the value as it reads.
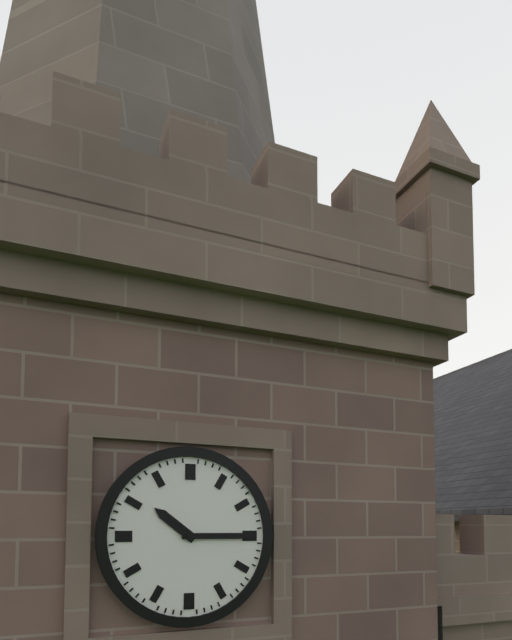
10:15
